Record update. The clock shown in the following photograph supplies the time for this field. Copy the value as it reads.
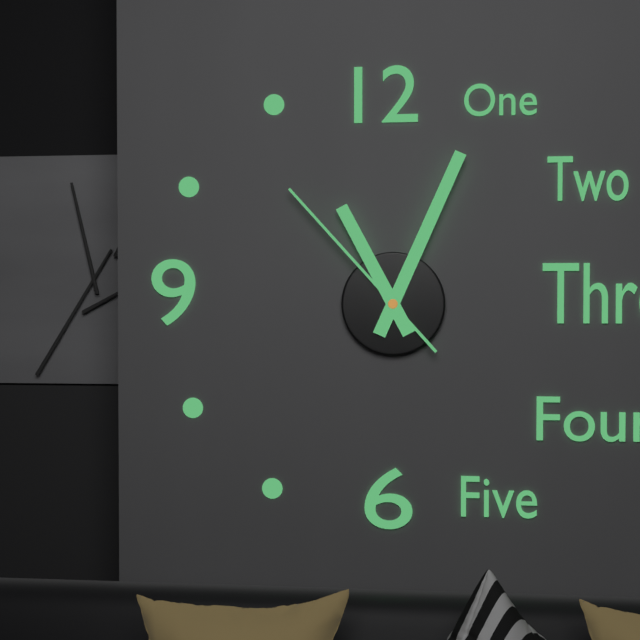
11:04:53
